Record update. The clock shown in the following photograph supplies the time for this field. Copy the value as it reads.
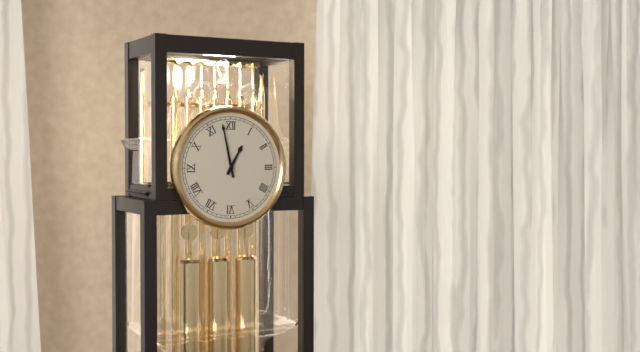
12:58
